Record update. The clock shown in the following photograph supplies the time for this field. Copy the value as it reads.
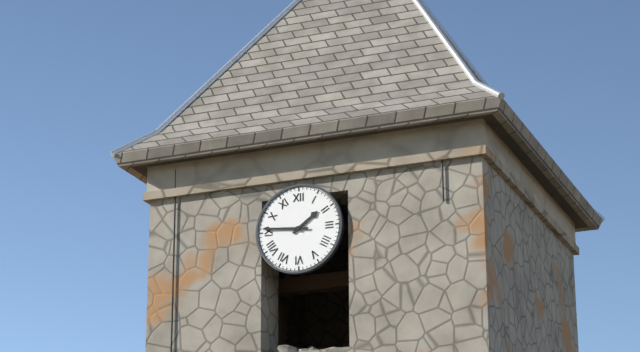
1:46
